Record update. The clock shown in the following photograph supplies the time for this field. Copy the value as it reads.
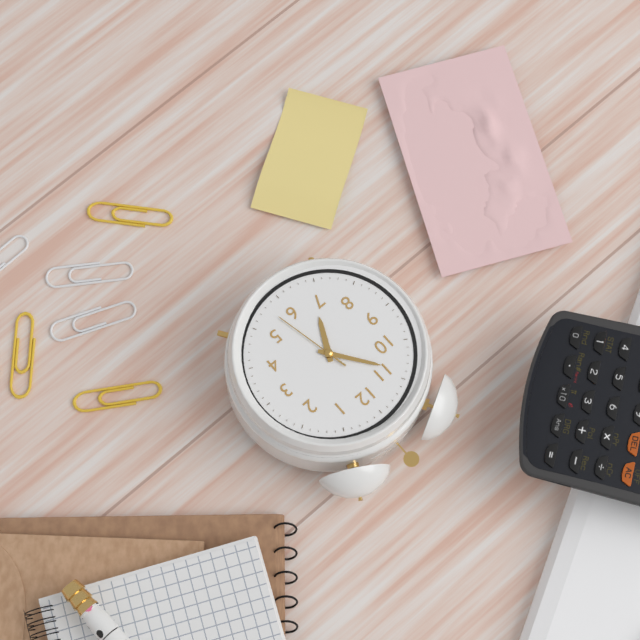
6:54:28
